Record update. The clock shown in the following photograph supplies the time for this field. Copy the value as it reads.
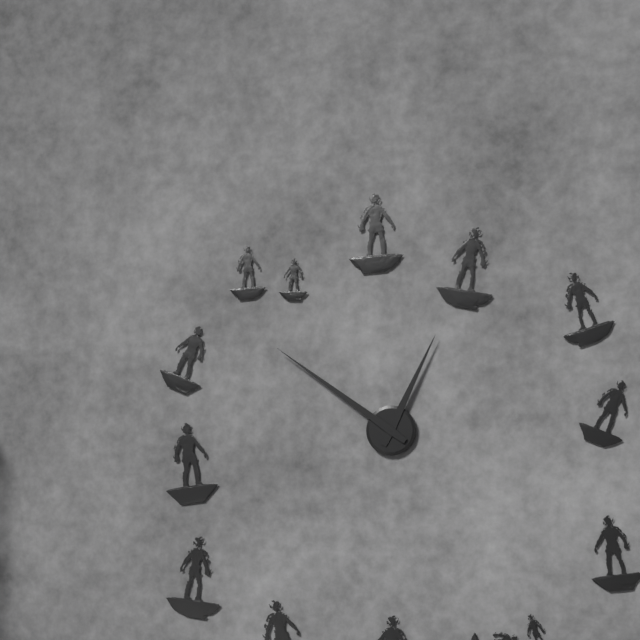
12:51
